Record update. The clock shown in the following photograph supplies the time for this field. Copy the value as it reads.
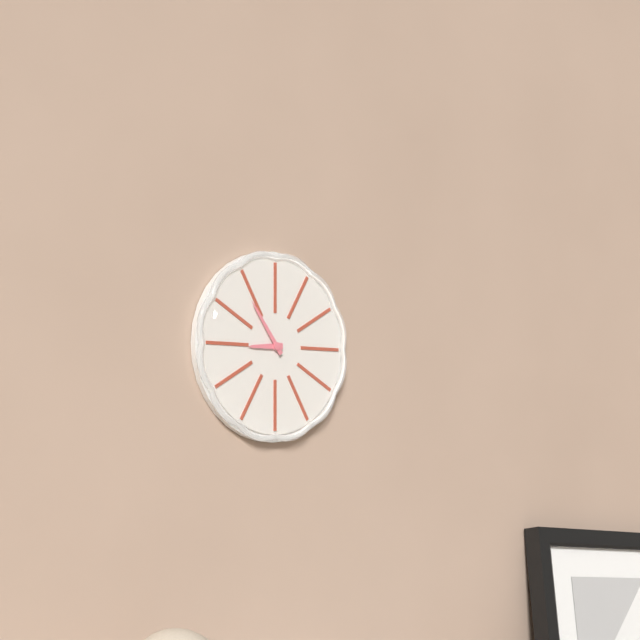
8:54
